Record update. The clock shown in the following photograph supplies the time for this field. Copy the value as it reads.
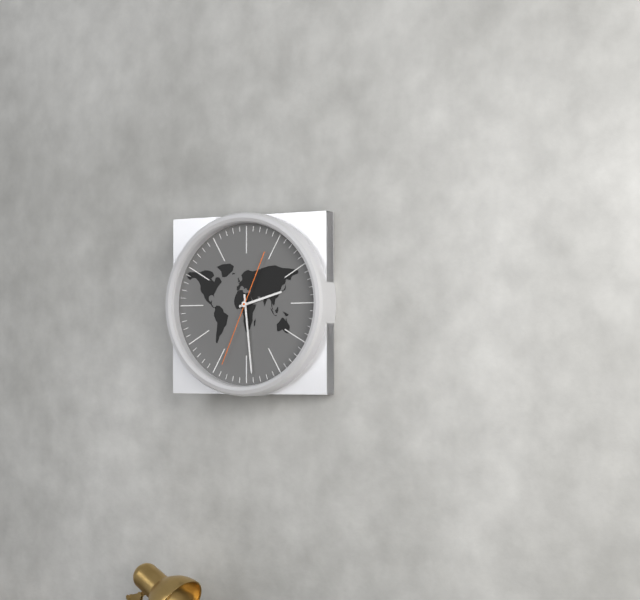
2:29:34
